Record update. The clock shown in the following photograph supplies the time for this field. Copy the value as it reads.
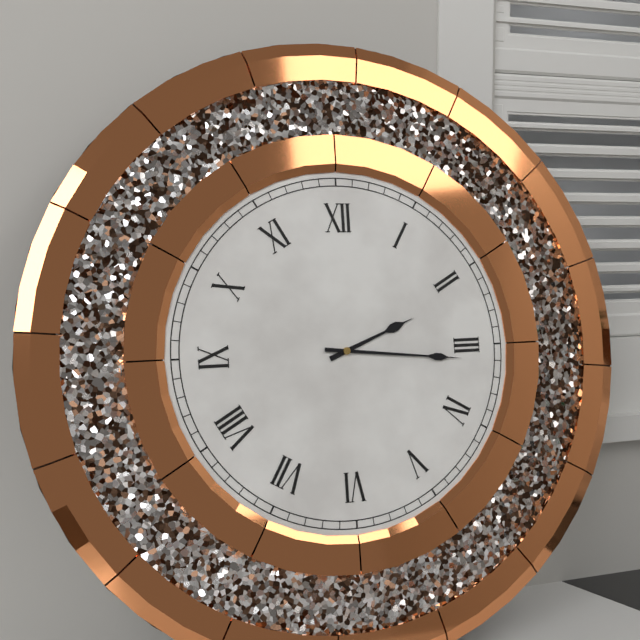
2:16
